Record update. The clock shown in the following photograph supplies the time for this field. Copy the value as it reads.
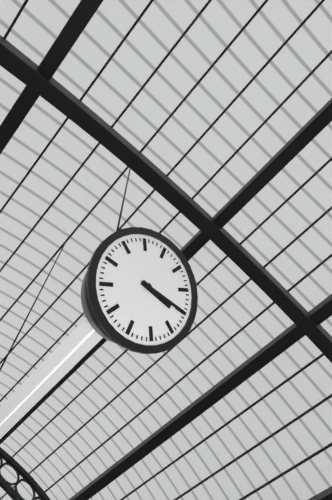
3:15
